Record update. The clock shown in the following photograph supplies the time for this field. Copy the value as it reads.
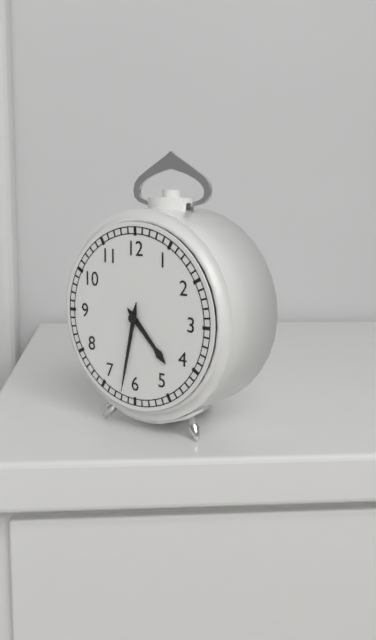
4:32
